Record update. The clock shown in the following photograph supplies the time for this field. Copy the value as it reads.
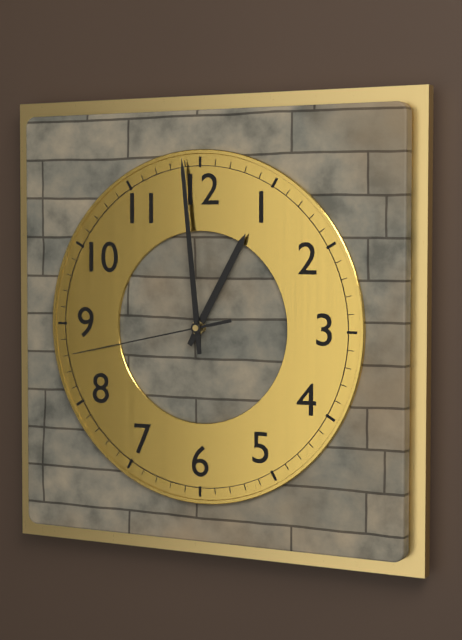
12:59:43
